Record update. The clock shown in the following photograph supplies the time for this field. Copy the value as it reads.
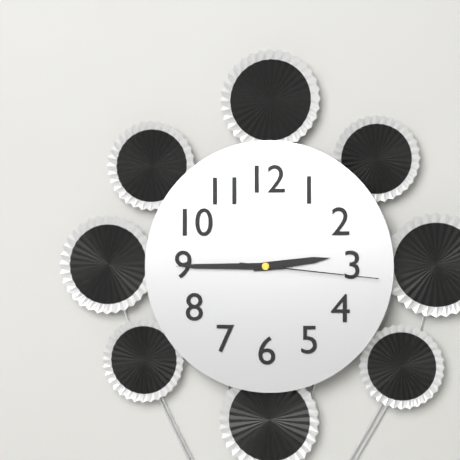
2:45:16
